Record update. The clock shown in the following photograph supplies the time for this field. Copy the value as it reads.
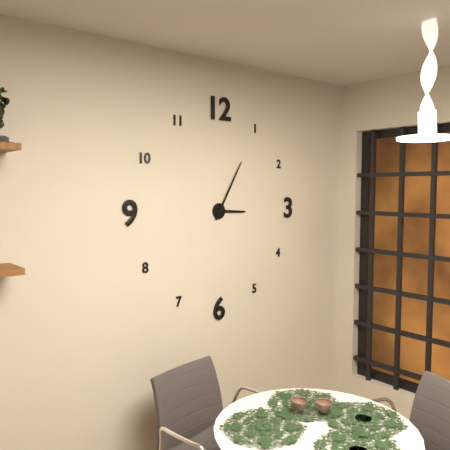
3:05
